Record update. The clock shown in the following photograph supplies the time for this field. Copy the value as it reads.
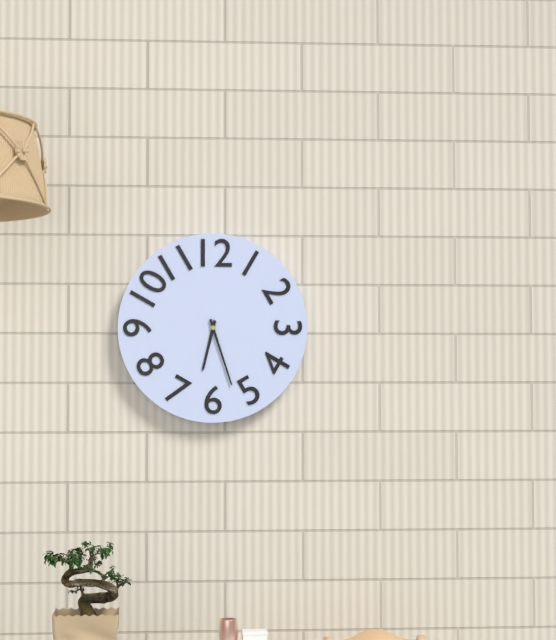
6:27
